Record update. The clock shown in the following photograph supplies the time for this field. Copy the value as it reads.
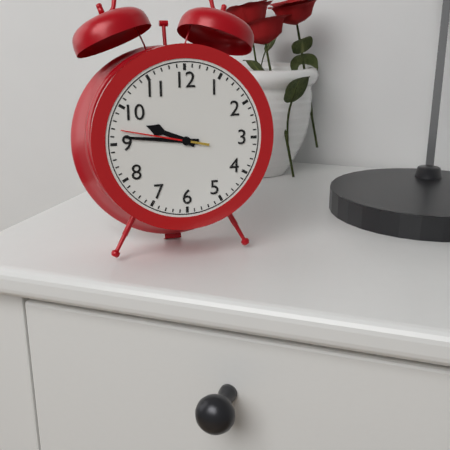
9:46:47
